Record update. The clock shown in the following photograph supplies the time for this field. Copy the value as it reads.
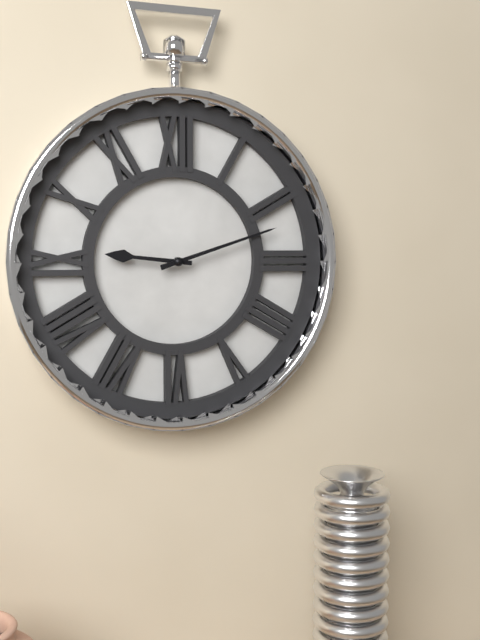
9:12
